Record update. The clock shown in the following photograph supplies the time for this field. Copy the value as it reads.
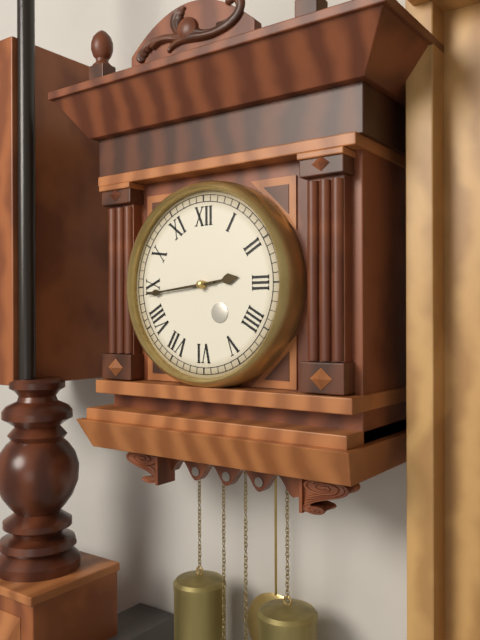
2:44
